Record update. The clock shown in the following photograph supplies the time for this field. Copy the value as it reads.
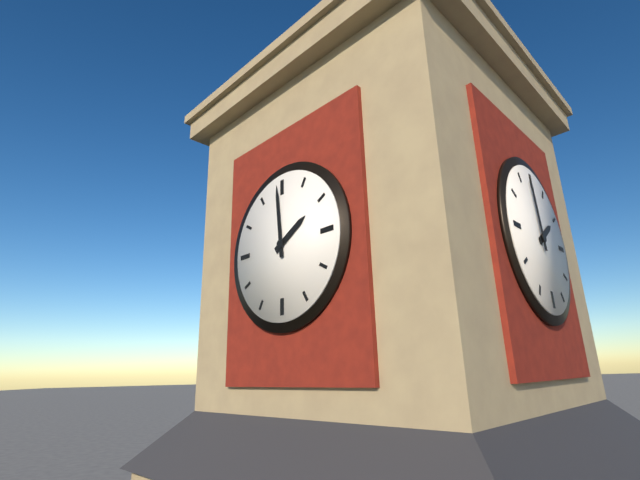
1:59
